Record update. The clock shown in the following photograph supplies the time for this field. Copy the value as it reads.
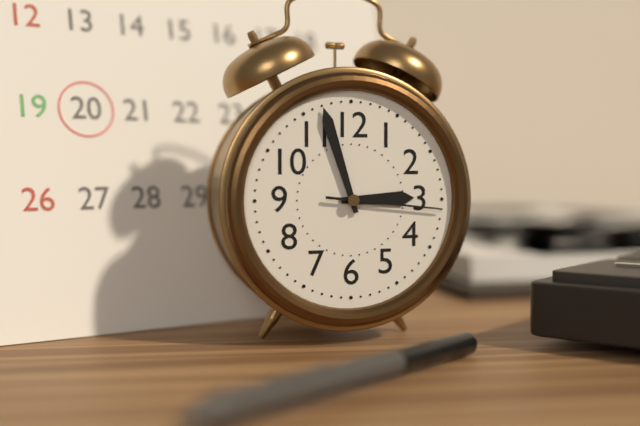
2:57:16
